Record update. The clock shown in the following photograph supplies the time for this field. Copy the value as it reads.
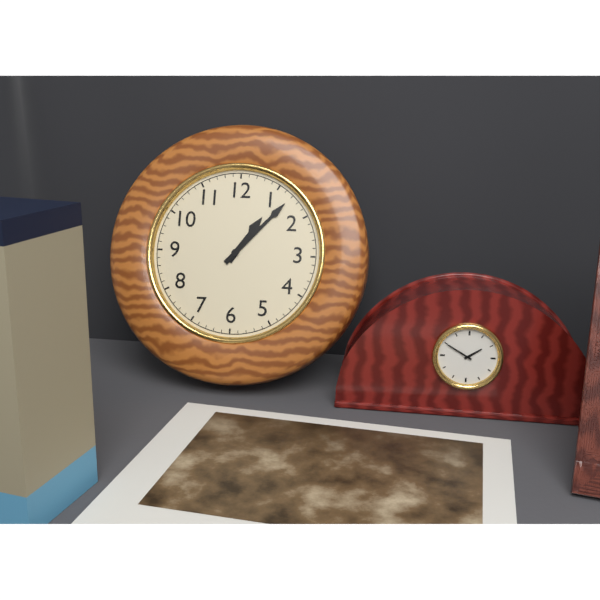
1:07
